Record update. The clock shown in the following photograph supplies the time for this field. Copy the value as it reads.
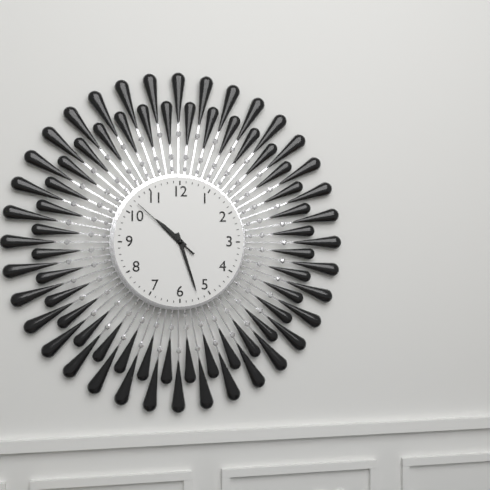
10:27:52
